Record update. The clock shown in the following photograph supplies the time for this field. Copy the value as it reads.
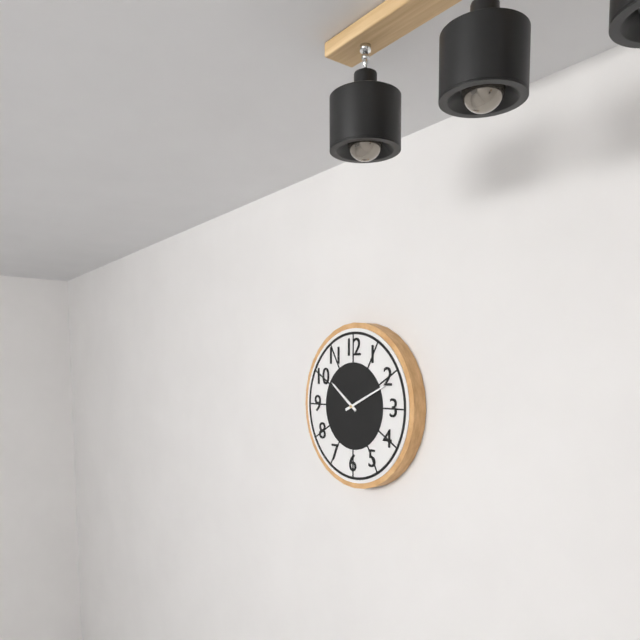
10:11
